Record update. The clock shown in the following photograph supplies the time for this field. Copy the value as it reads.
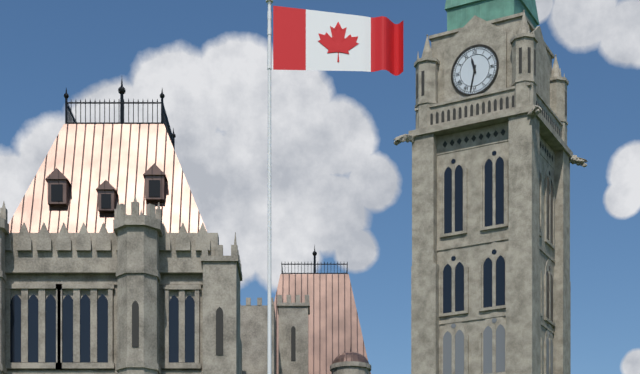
11:32
